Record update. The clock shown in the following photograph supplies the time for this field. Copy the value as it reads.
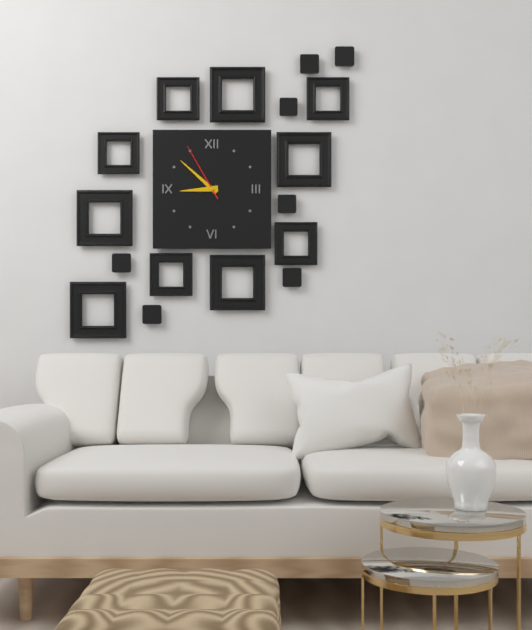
8:52:55
